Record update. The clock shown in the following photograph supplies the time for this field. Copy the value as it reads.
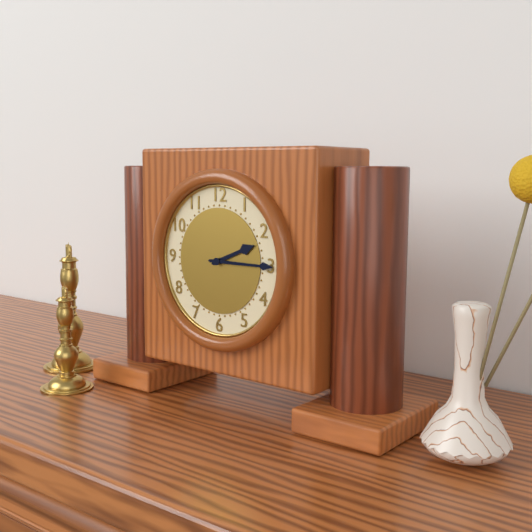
2:15
